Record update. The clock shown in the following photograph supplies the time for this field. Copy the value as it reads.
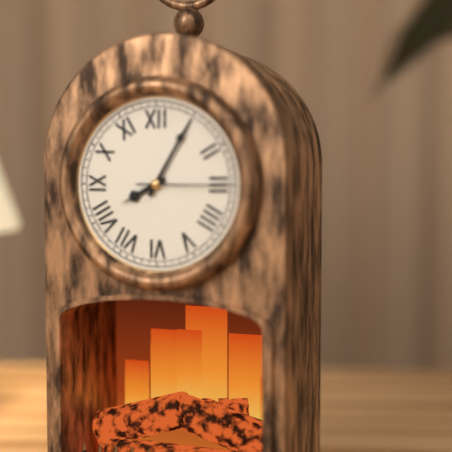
8:05
